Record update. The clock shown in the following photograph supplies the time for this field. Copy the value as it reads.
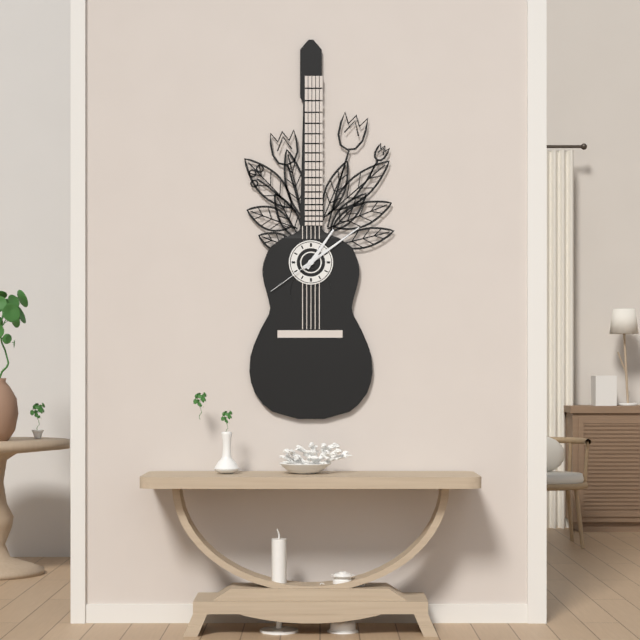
1:09:39
